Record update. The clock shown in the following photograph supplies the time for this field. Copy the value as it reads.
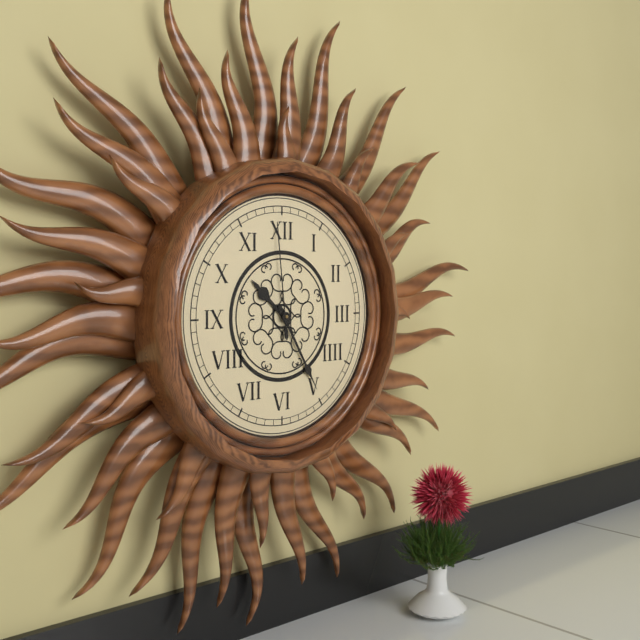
10:25:59
